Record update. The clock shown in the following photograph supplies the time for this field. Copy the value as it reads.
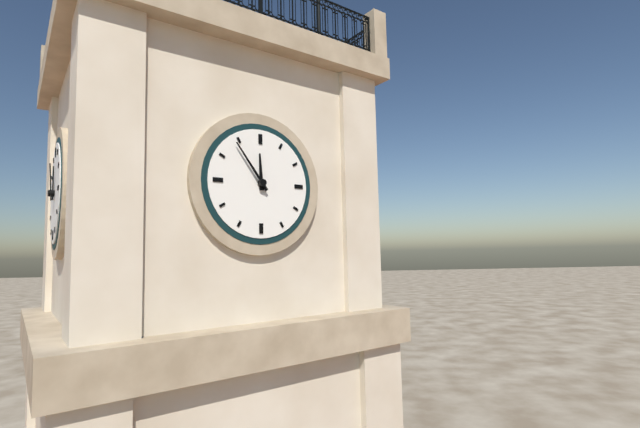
11:54
